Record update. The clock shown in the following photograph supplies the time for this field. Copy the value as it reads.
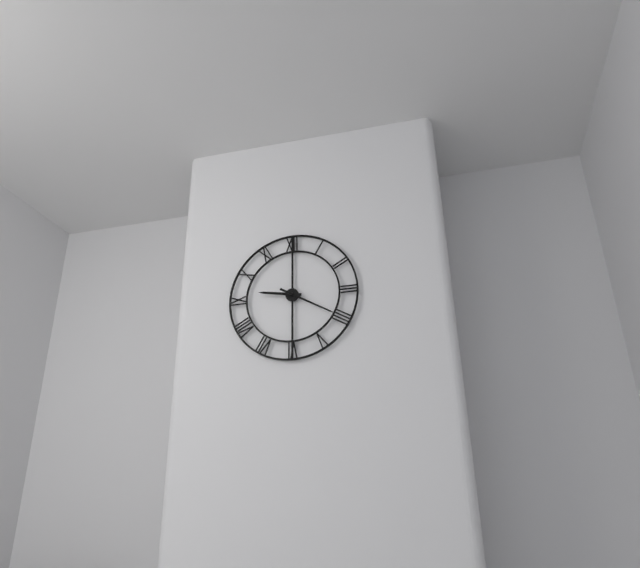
9:20
